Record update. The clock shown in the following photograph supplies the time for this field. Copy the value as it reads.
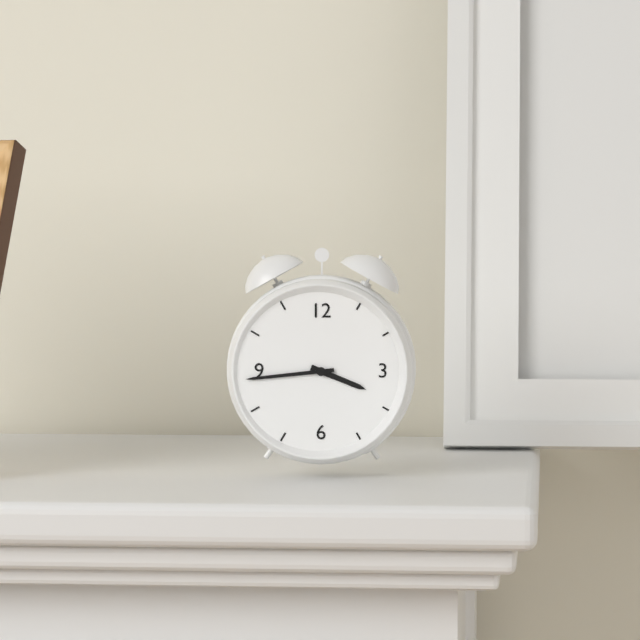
3:44
